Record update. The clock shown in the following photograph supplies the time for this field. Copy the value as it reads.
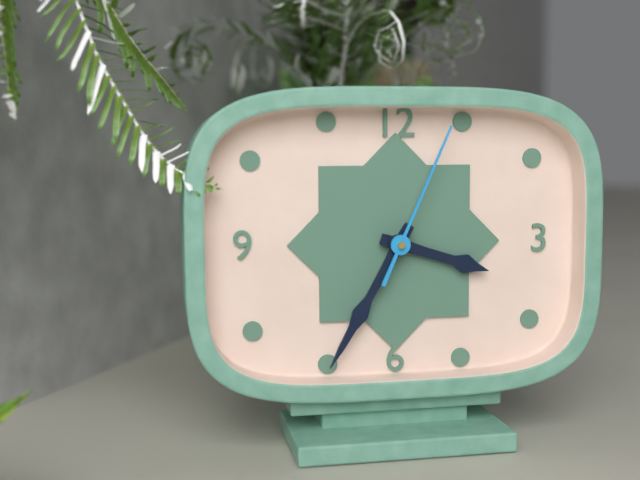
3:35:04
